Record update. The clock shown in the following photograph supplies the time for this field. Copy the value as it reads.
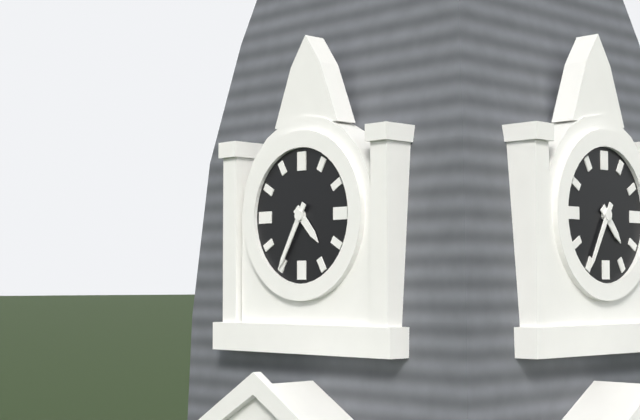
4:35
